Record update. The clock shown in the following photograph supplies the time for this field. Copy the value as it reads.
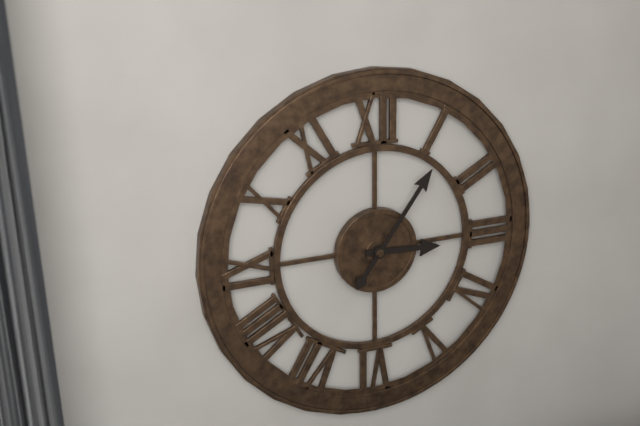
3:06
